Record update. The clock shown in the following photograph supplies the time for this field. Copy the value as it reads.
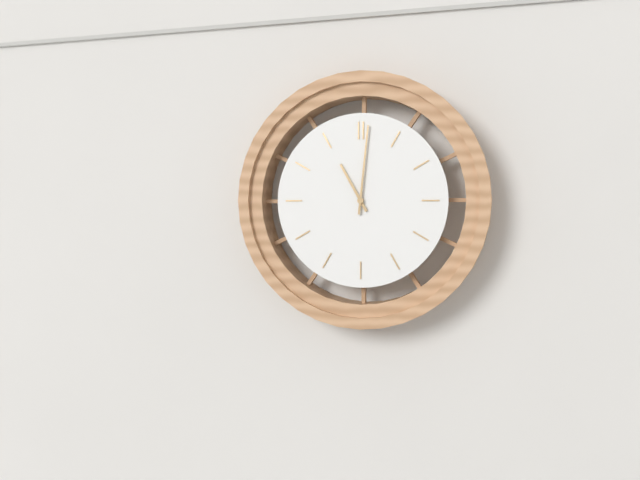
11:01
